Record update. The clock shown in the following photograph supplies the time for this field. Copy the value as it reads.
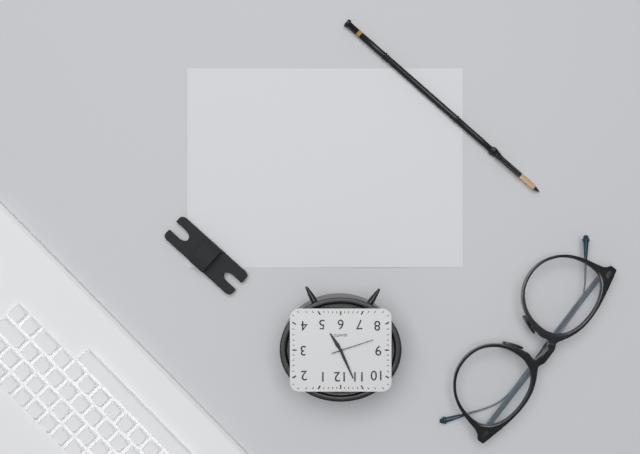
4:56
